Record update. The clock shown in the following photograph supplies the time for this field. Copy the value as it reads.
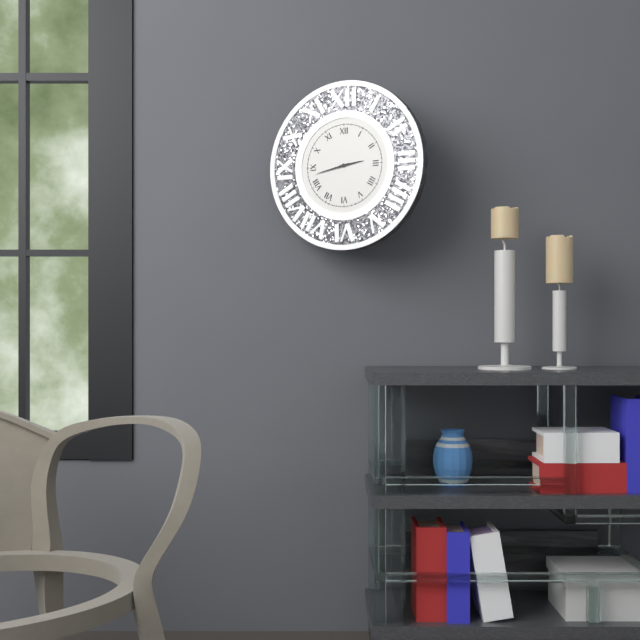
2:43
